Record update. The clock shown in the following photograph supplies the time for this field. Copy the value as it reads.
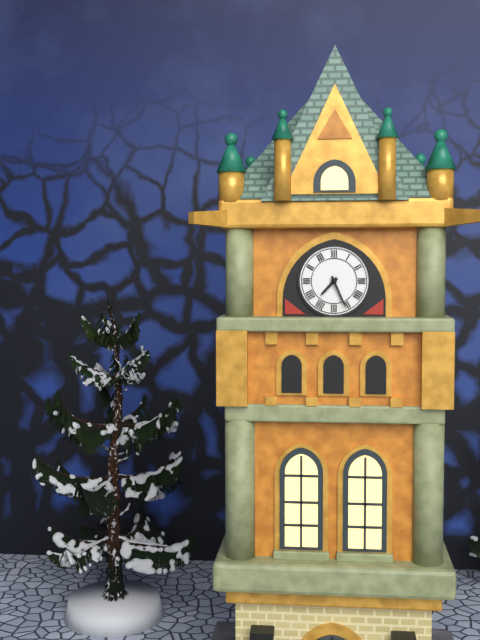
7:26
